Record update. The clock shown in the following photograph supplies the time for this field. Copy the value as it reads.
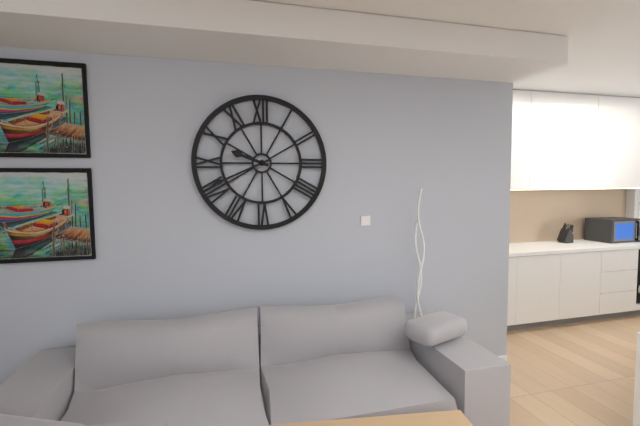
9:41
